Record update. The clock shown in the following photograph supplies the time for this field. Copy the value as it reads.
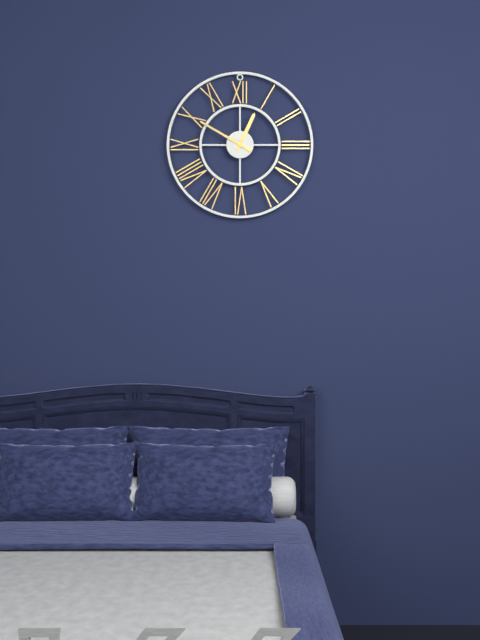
12:50
